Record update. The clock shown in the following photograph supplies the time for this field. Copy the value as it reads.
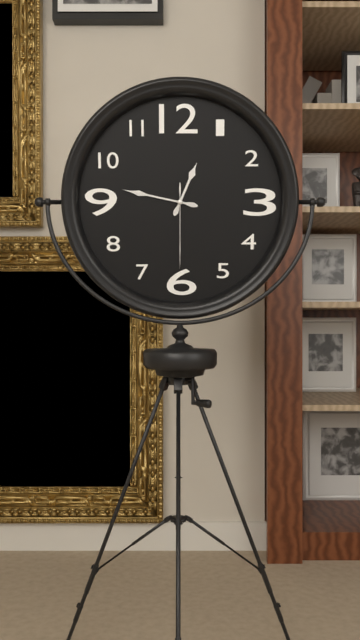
12:47:30
